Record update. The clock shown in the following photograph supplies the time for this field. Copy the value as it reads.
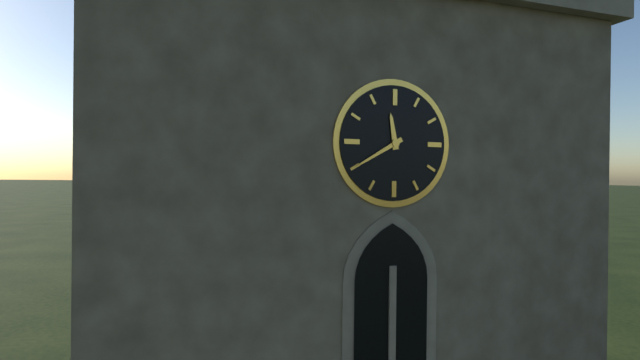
11:40
